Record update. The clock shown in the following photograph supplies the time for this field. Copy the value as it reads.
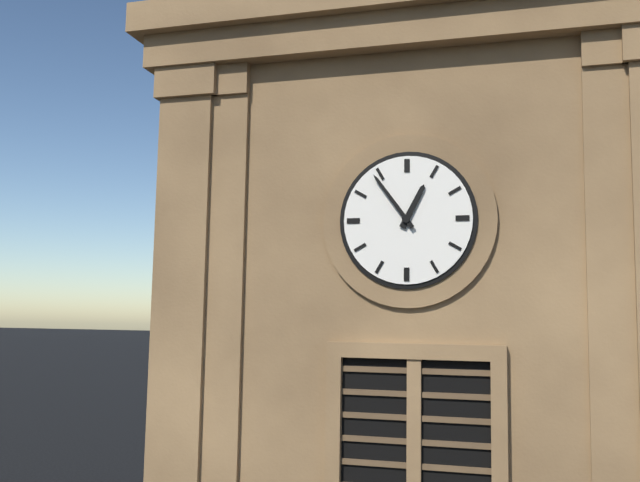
12:54
